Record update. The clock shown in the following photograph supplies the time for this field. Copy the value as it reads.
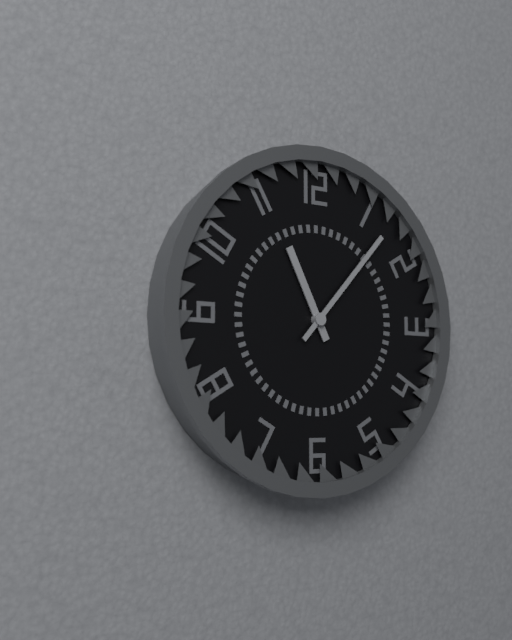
11:07
